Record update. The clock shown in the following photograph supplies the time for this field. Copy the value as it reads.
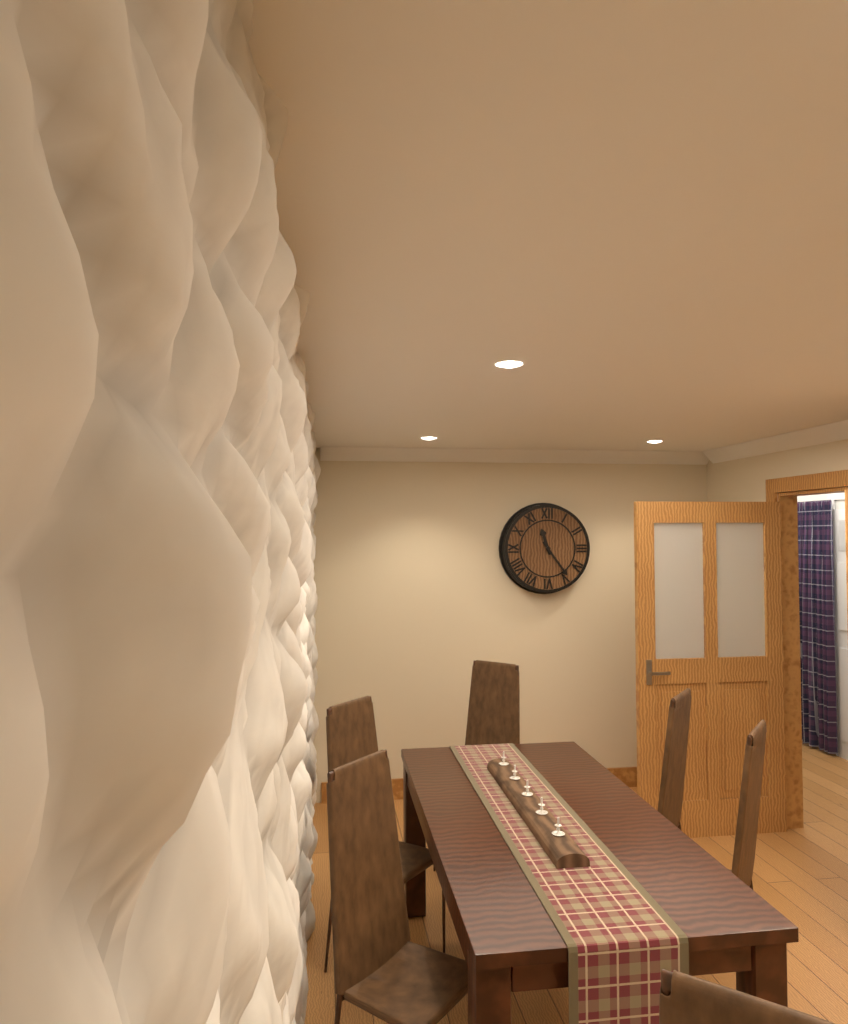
11:24
